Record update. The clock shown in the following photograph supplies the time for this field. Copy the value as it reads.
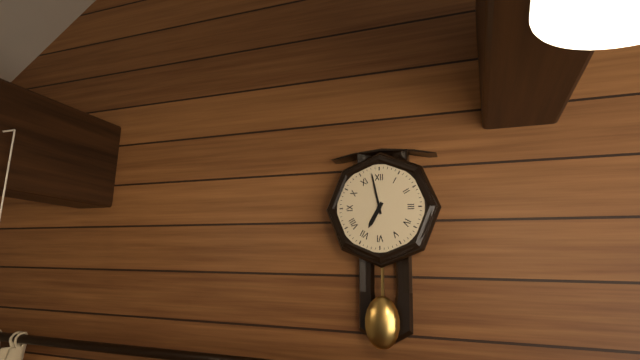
6:58
